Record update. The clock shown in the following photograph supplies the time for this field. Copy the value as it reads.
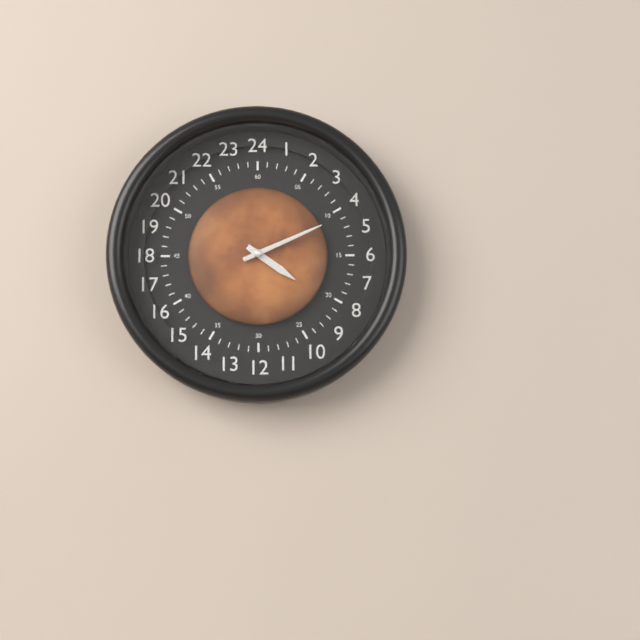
4:11
